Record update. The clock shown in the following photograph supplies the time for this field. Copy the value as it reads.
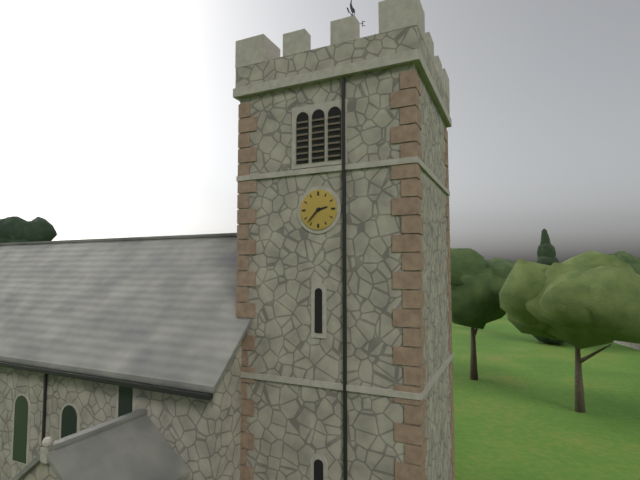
2:37
